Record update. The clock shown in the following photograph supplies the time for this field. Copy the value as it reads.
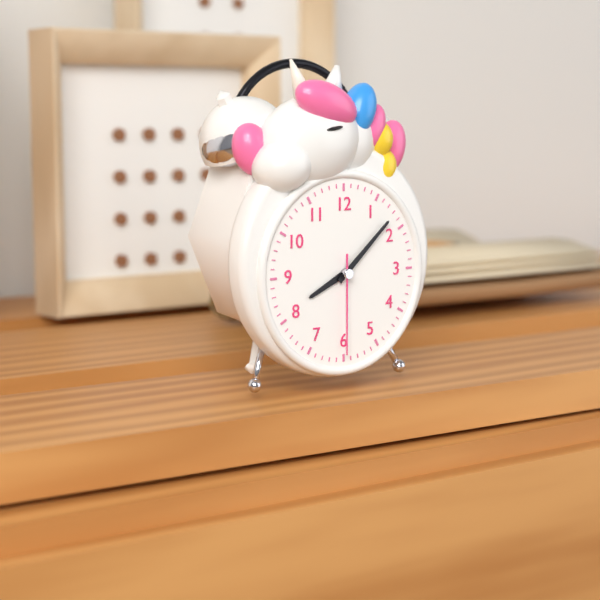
8:08:30
